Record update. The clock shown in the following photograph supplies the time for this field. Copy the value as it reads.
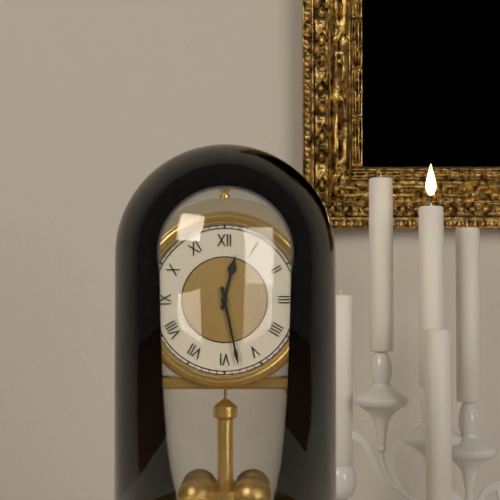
12:28
